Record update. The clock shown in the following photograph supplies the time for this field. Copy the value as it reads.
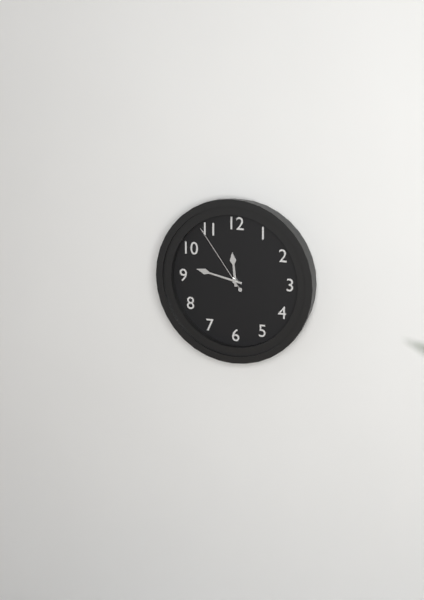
11:47:54
